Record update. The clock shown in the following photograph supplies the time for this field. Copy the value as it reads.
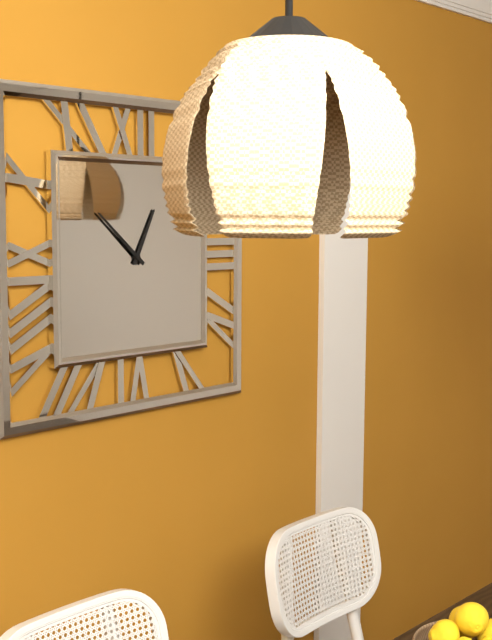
12:52
